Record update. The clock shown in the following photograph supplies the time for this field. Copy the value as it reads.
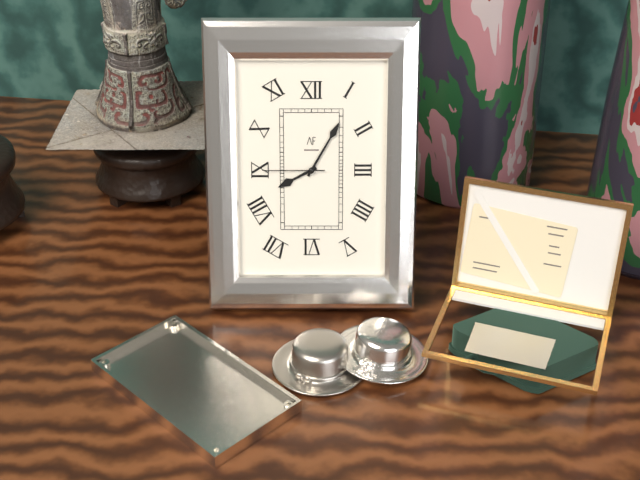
8:05:45
